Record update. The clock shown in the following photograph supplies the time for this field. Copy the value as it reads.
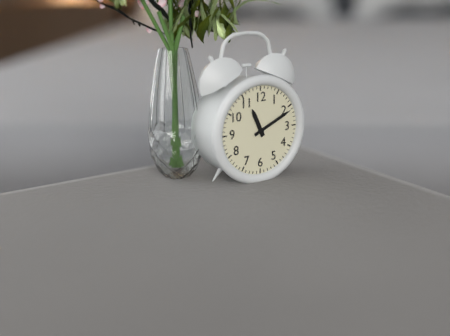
11:11
